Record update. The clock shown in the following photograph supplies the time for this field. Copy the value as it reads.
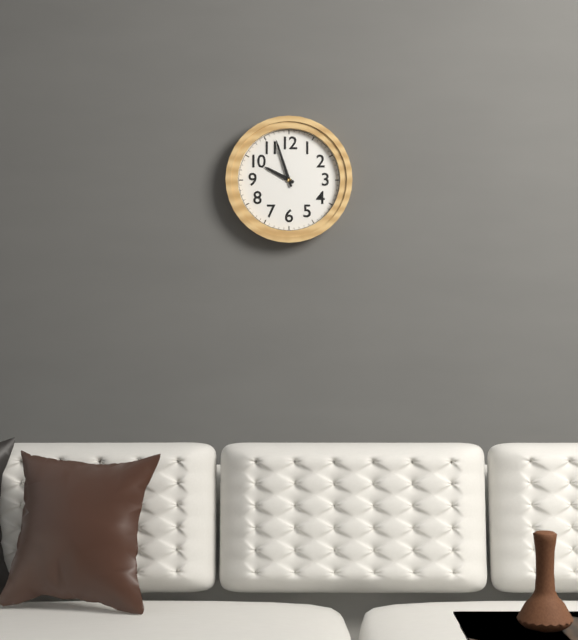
9:57
